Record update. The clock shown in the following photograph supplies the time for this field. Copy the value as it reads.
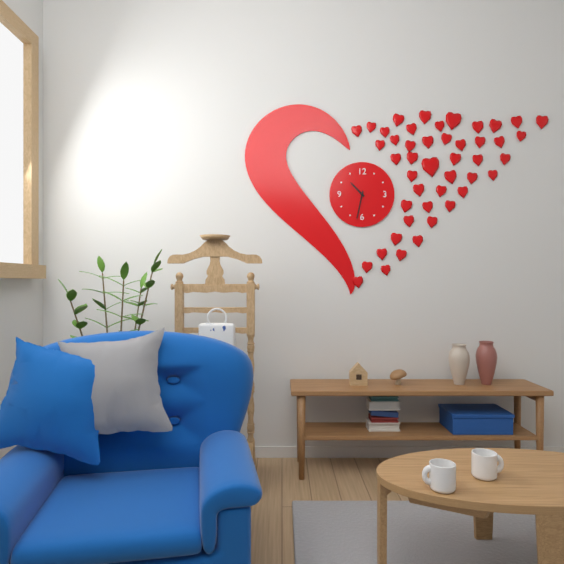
10:32
